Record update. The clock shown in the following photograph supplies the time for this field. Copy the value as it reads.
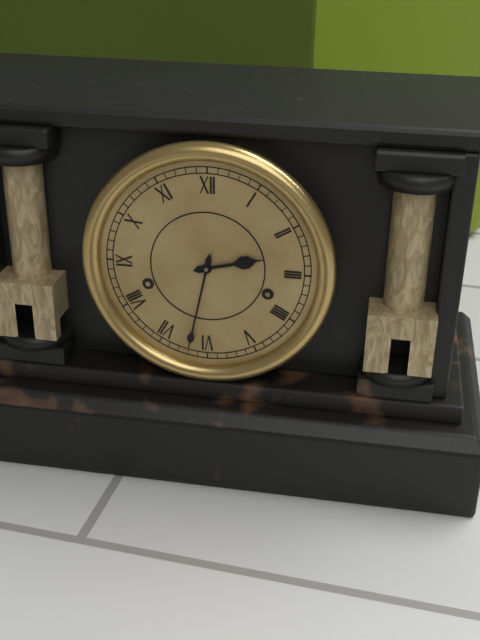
2:32
